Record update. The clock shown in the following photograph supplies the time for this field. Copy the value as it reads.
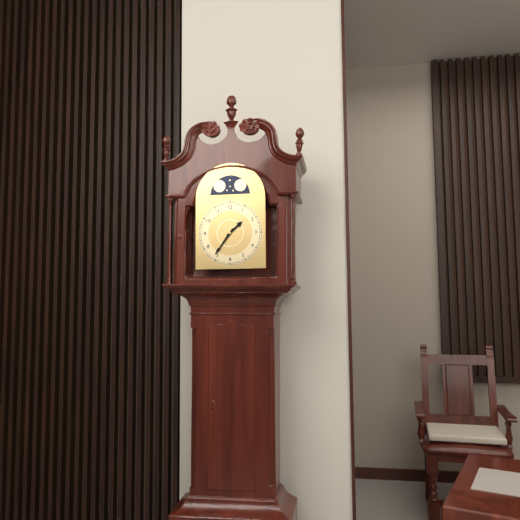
1:36
